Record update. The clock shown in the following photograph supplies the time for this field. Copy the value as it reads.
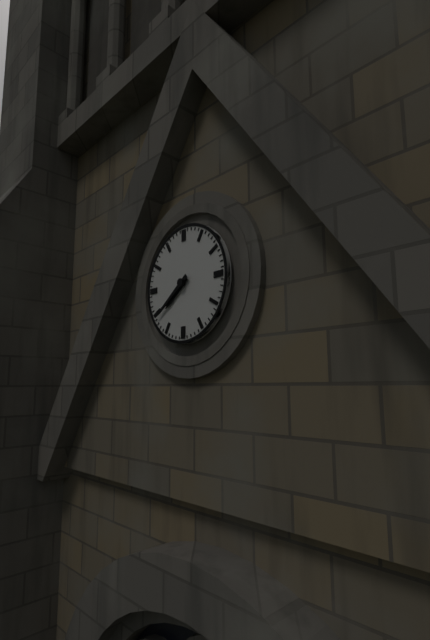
7:39
